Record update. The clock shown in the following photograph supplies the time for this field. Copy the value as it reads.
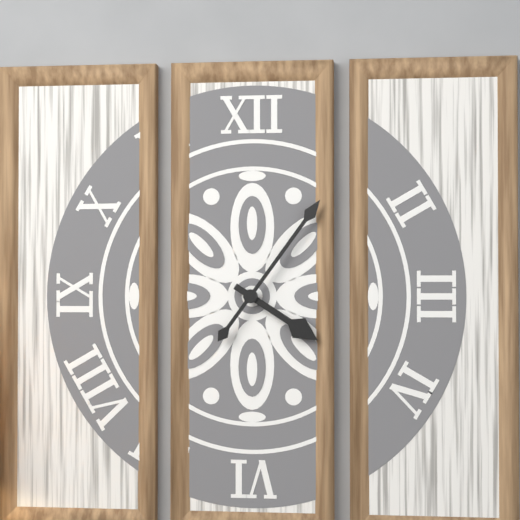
4:06
